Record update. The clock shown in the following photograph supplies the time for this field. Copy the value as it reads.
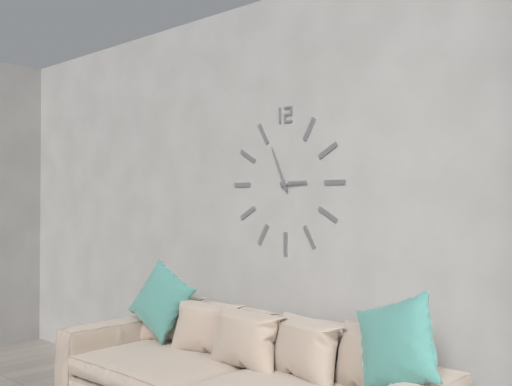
2:56
